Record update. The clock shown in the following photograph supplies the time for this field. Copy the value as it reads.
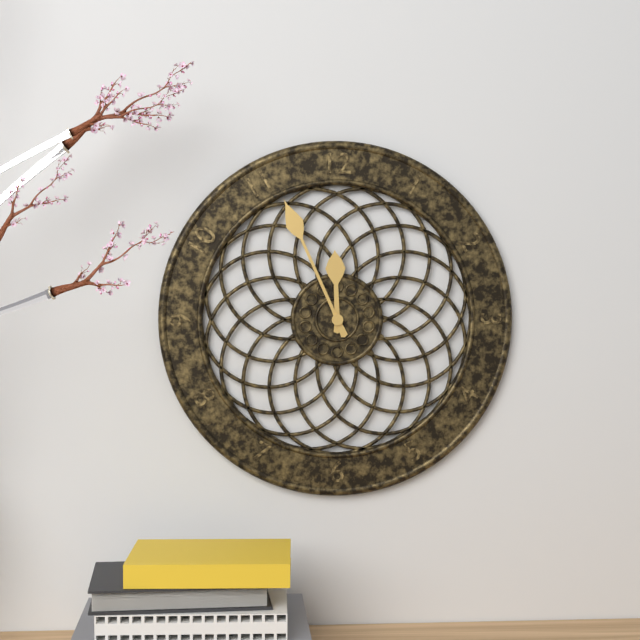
11:56
